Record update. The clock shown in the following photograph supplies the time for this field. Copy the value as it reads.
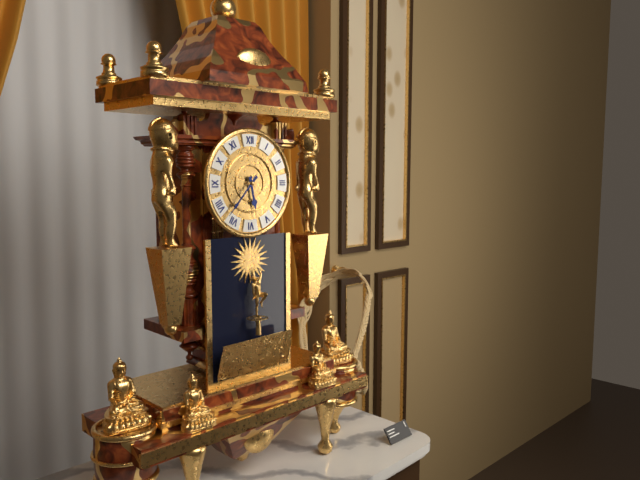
5:37
